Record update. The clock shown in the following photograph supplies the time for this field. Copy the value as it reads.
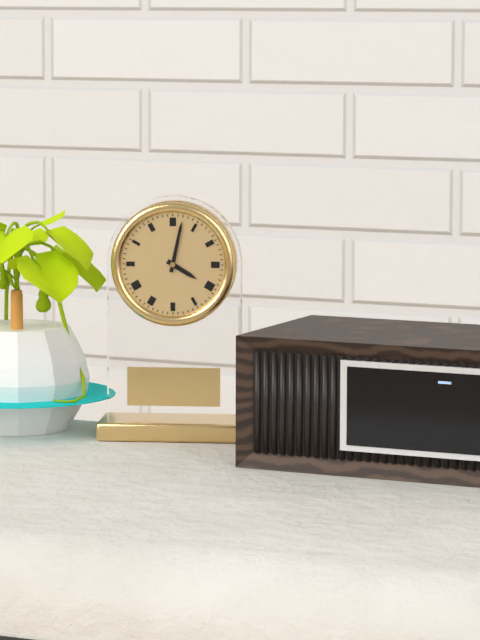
4:02
